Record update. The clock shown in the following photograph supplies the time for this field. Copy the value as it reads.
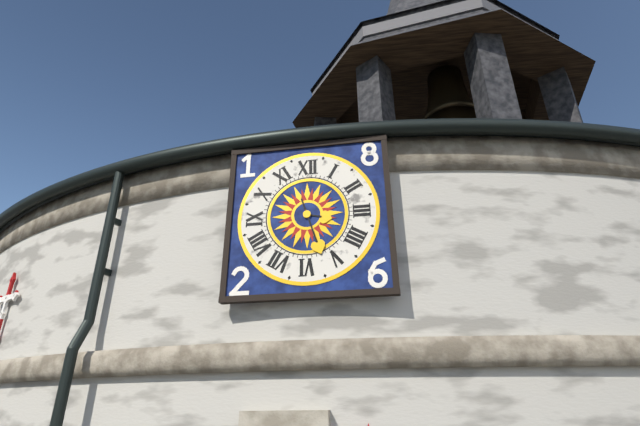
3:27
